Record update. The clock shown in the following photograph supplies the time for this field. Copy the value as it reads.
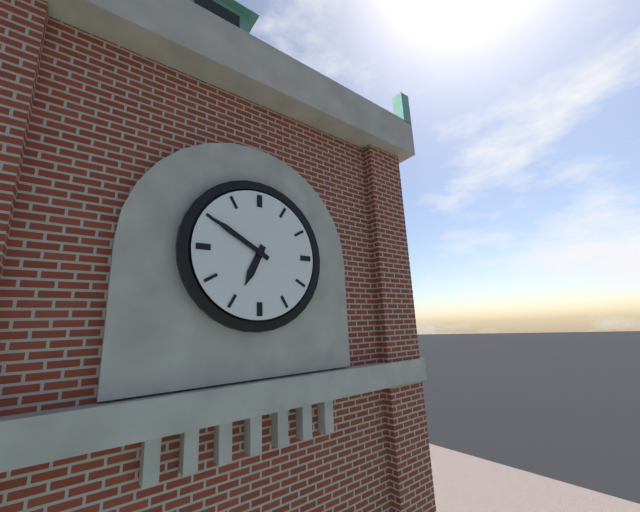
6:50
